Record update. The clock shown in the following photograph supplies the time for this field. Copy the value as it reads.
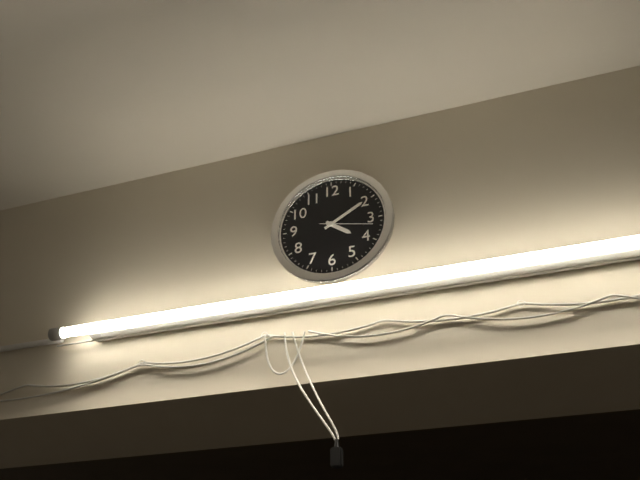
4:10:17
